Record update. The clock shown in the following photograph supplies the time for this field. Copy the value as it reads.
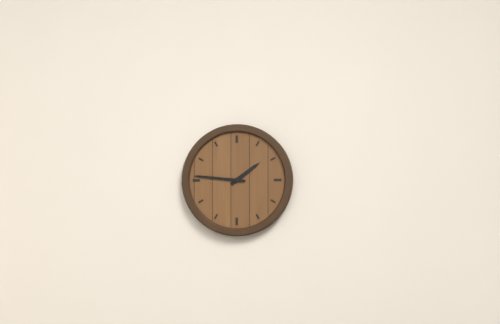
1:46
